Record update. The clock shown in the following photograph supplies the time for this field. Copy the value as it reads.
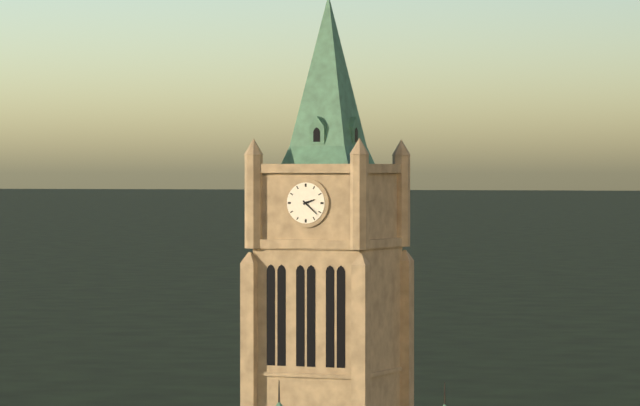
2:22
